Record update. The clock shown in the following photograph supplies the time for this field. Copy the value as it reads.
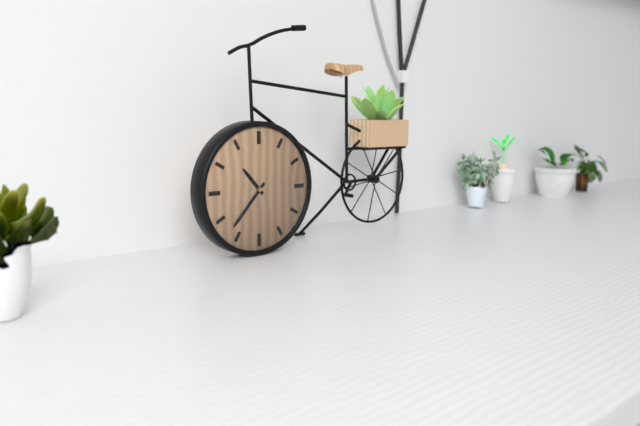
10:37
